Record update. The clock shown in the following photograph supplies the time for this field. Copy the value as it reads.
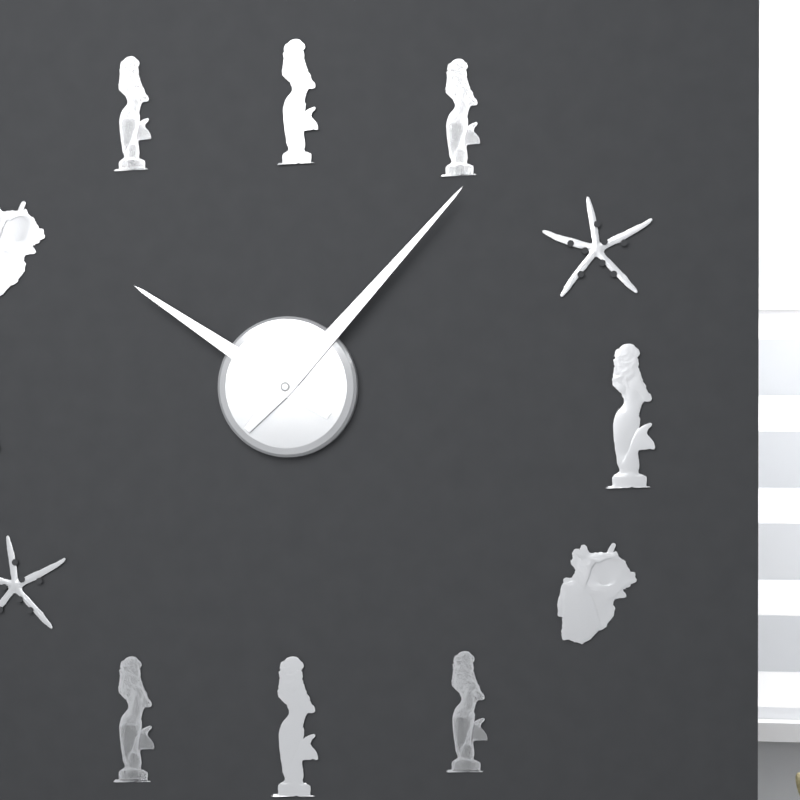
10:07
